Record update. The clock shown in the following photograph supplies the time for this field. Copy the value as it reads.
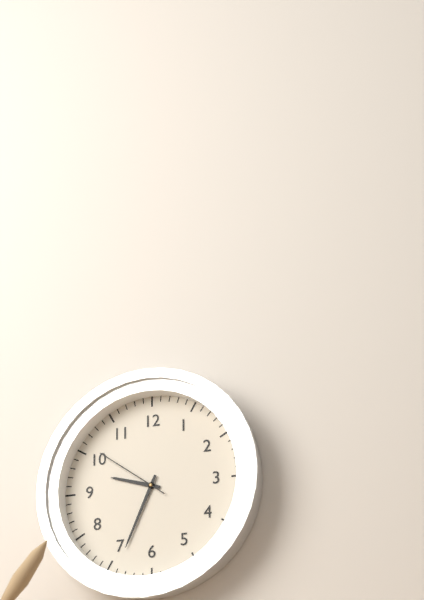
9:34:51
